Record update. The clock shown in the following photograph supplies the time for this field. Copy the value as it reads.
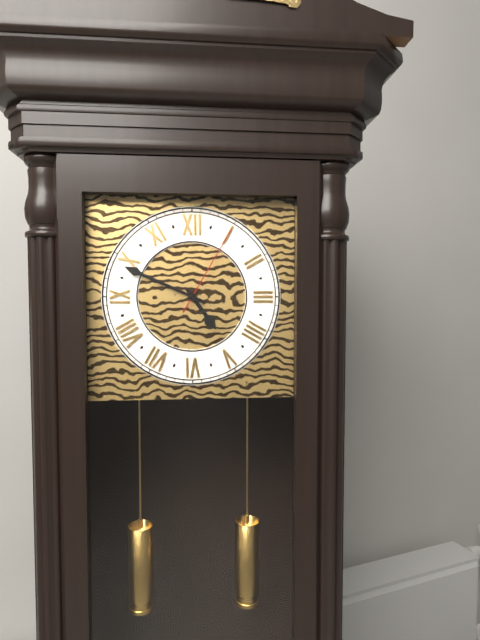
4:49:05
